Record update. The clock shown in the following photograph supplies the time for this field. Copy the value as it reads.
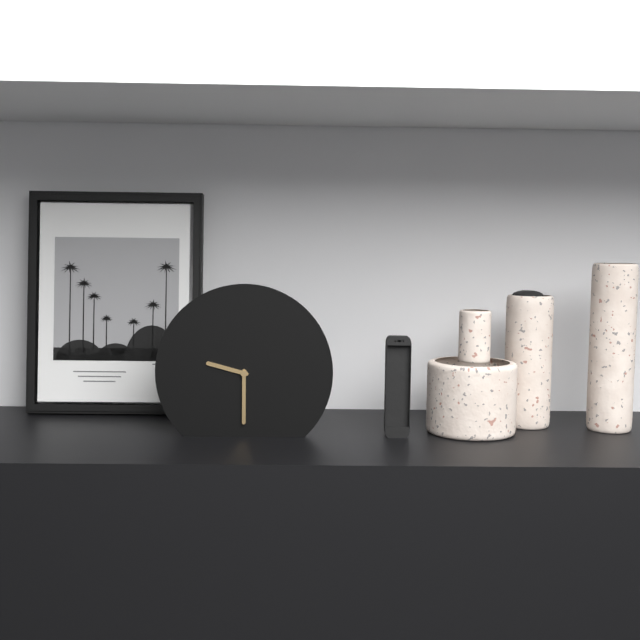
9:30
